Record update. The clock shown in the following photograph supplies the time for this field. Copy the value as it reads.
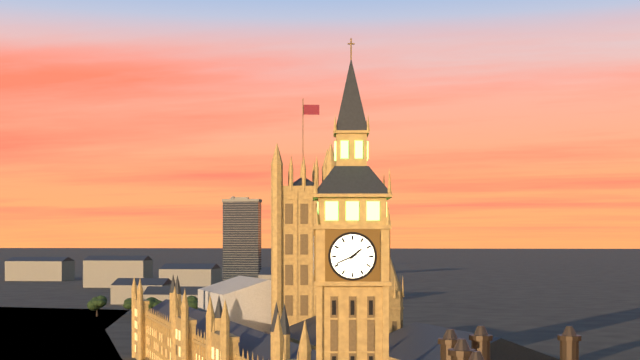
1:41
